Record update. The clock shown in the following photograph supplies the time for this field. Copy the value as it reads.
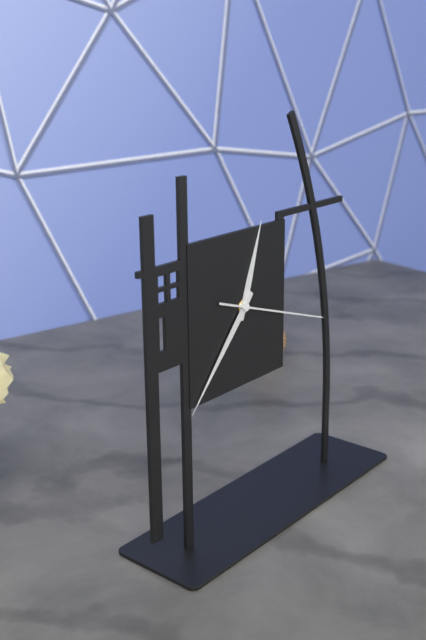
12:37:18
